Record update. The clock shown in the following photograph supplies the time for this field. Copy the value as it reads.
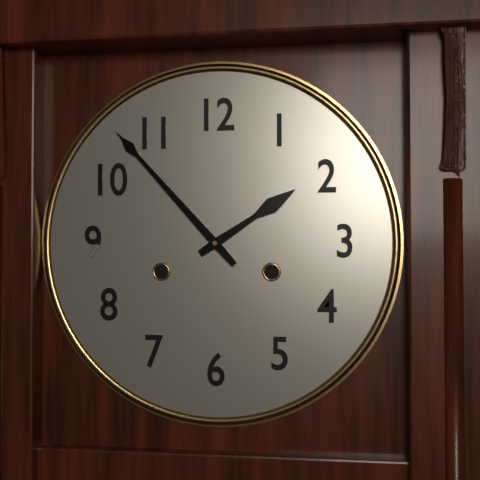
1:53
